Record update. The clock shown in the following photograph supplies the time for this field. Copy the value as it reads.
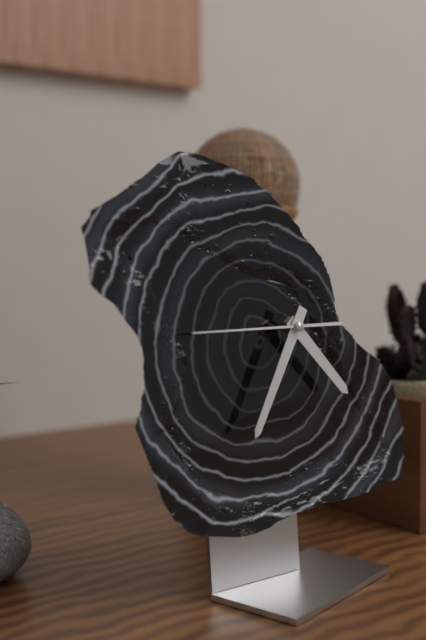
4:35:45
